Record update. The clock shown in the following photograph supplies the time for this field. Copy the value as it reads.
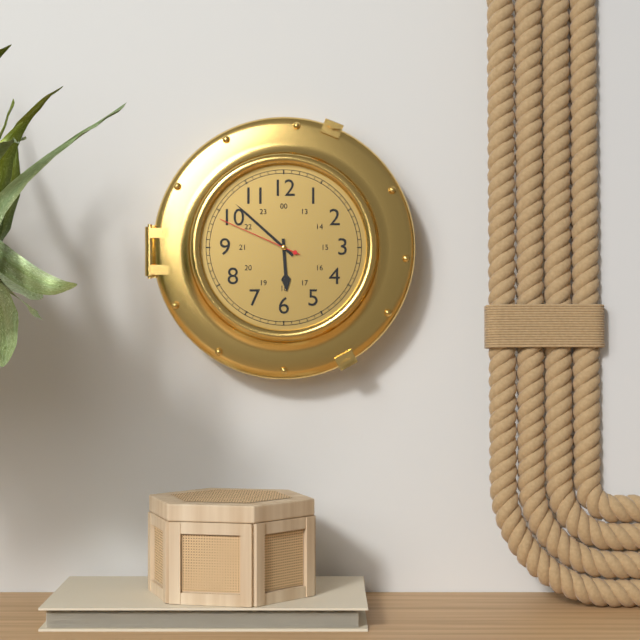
5:52:49
